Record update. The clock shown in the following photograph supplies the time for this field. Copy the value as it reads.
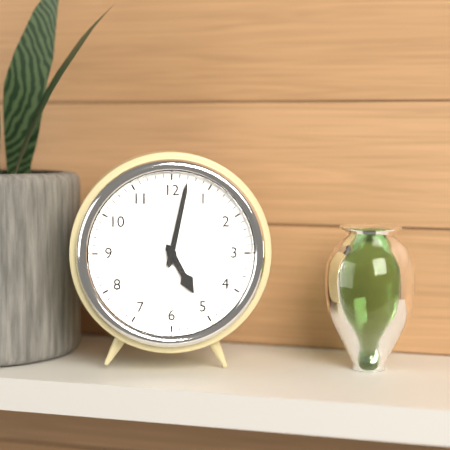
5:02
